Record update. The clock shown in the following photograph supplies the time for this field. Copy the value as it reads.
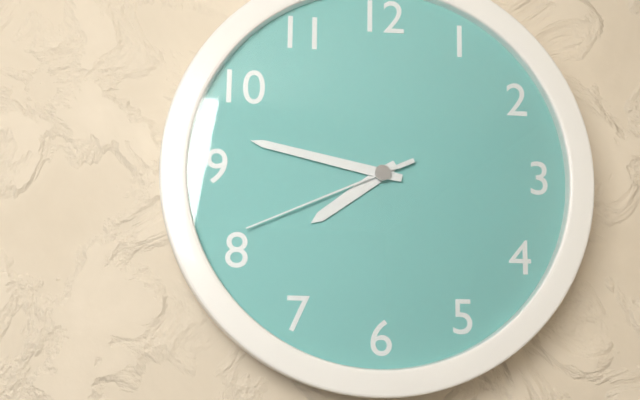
7:47:41
